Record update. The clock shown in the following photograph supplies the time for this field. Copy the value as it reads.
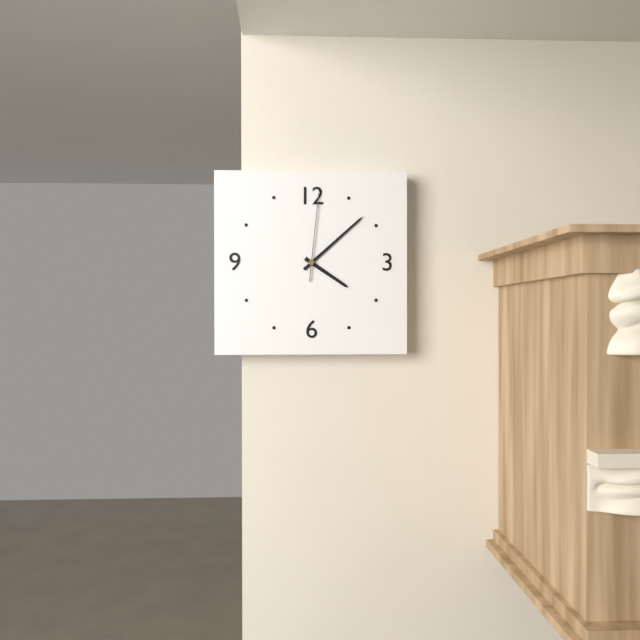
4:08:01
